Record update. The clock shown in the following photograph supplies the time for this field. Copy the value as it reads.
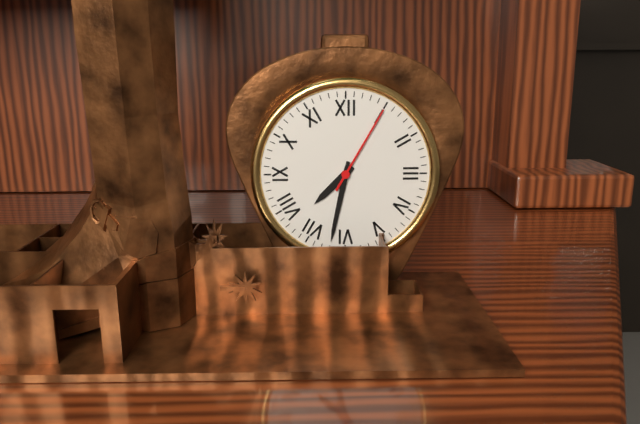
7:32:05
